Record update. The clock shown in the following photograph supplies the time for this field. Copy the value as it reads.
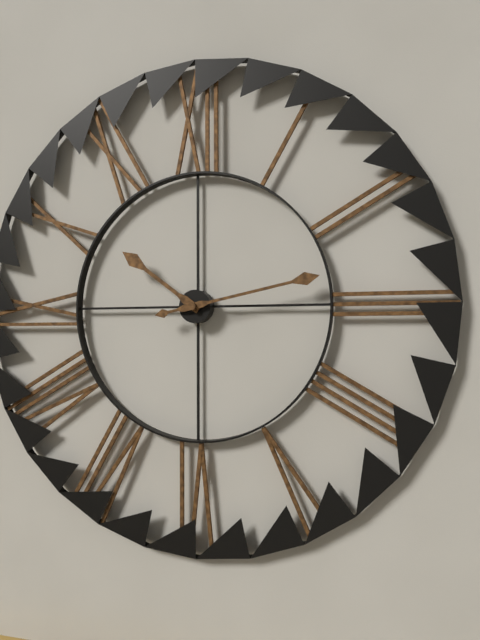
10:13
